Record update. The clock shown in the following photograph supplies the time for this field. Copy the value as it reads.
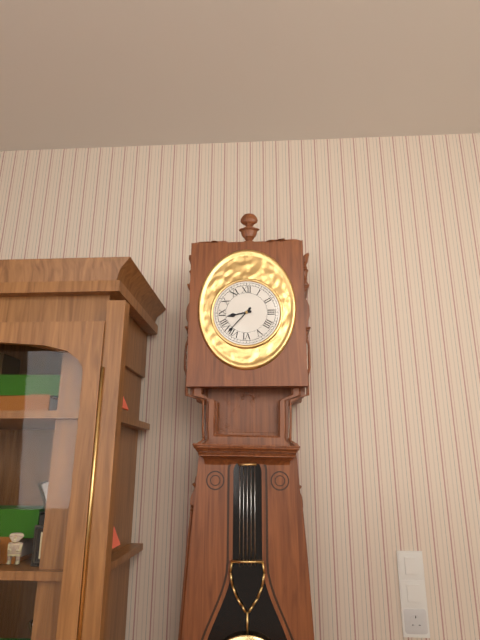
8:37
